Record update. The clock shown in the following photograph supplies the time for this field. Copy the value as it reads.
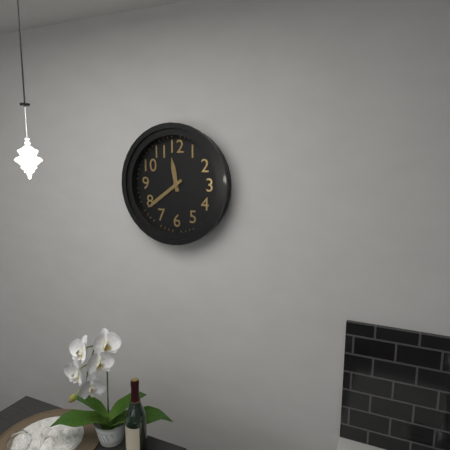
11:39
